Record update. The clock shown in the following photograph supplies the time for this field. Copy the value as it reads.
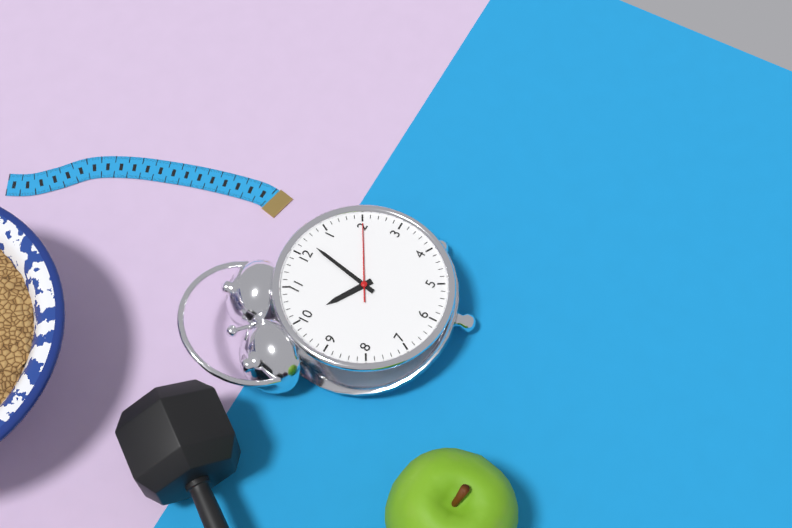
10:02:10
